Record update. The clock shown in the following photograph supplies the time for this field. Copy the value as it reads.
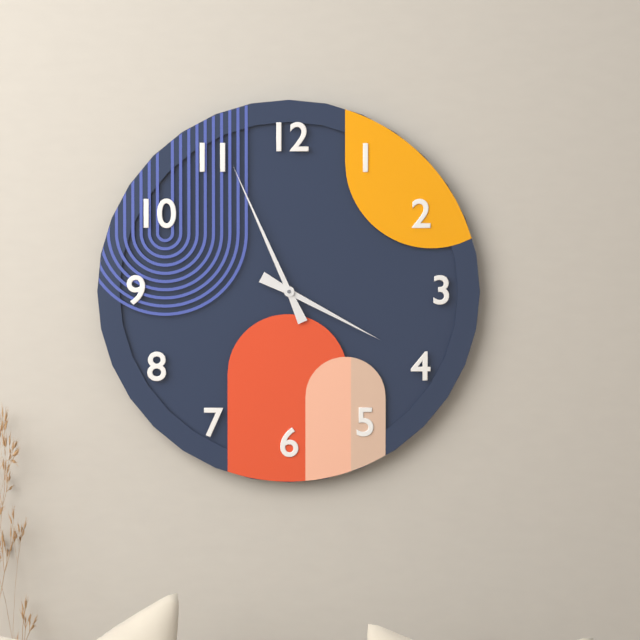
3:56
